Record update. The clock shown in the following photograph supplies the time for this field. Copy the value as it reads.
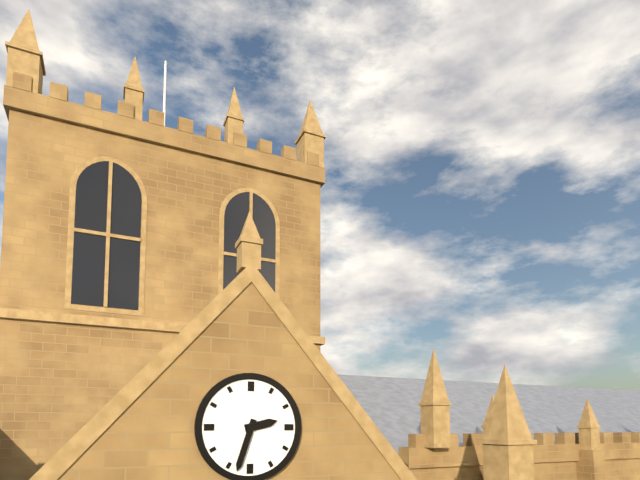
2:33
